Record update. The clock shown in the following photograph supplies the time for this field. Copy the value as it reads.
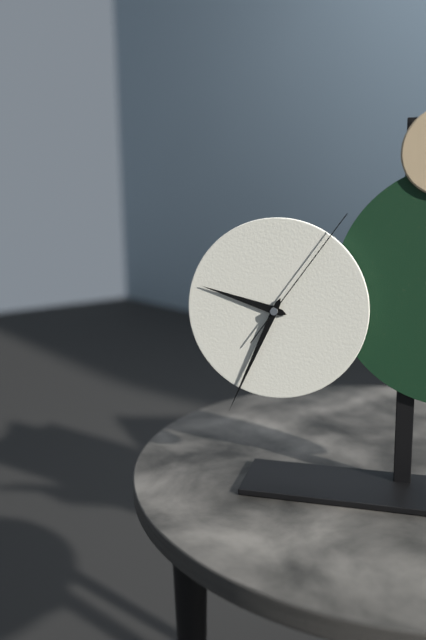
9:34:06
